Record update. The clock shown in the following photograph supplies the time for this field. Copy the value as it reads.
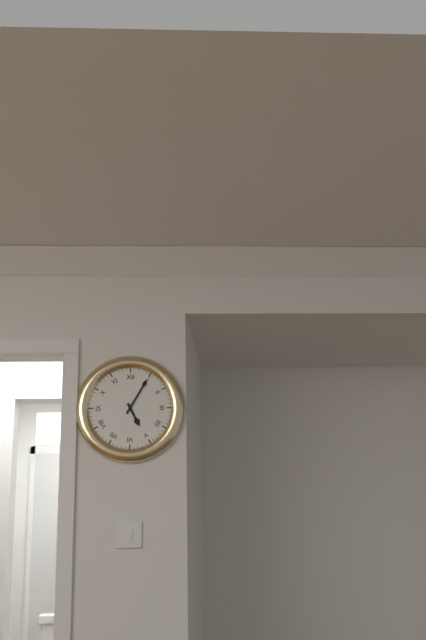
5:05
